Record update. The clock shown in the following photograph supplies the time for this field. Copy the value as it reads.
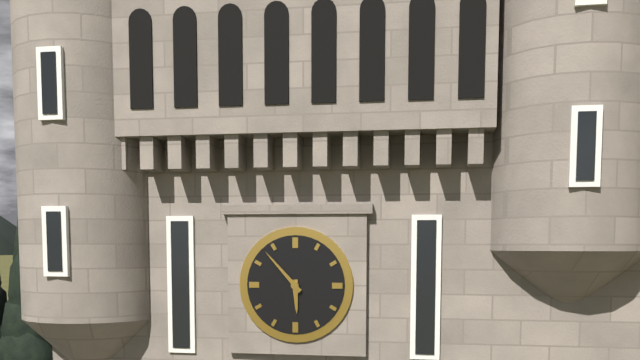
5:53
